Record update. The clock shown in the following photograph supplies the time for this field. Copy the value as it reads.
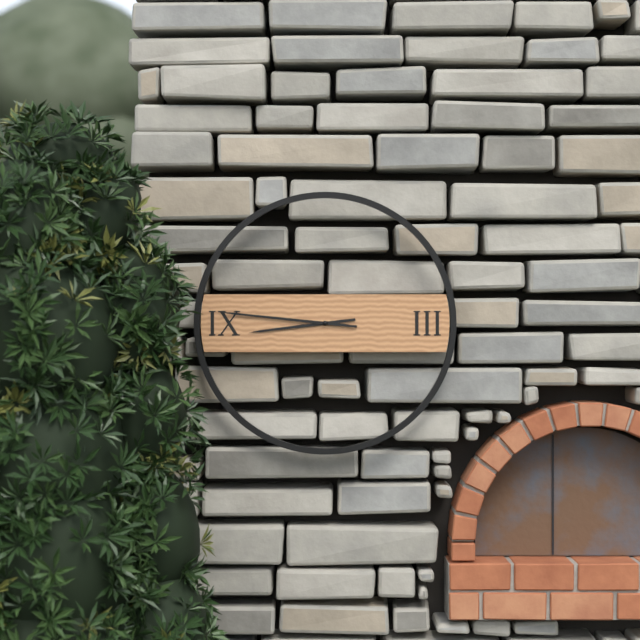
8:46
